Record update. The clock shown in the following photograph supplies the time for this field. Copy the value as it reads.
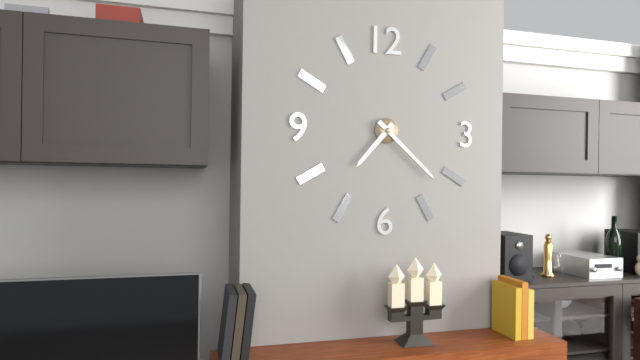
7:22
